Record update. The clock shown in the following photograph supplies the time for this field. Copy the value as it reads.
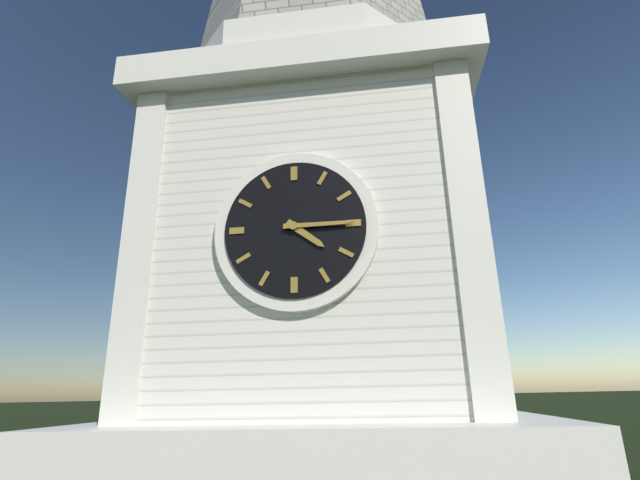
4:15
